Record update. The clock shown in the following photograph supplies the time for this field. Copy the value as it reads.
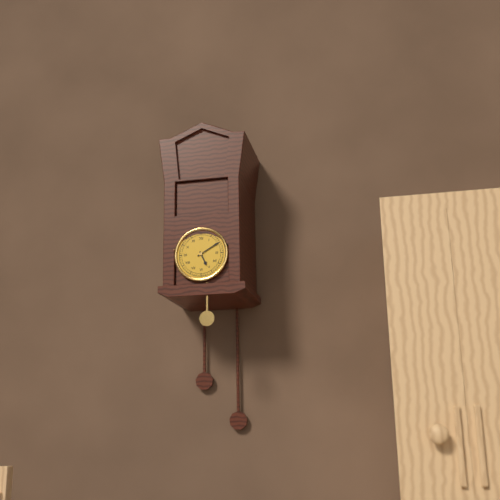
5:10
